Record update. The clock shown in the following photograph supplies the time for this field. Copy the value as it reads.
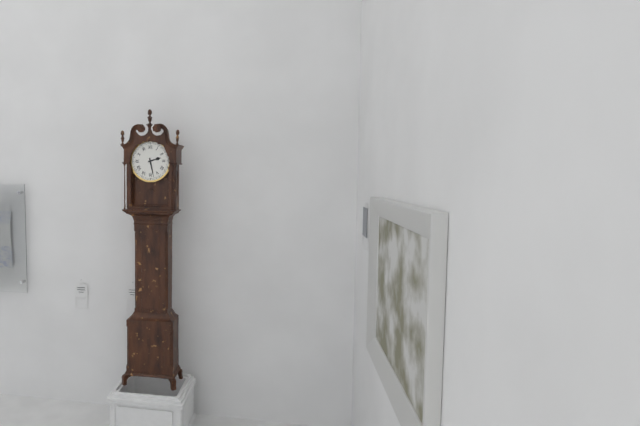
2:28
